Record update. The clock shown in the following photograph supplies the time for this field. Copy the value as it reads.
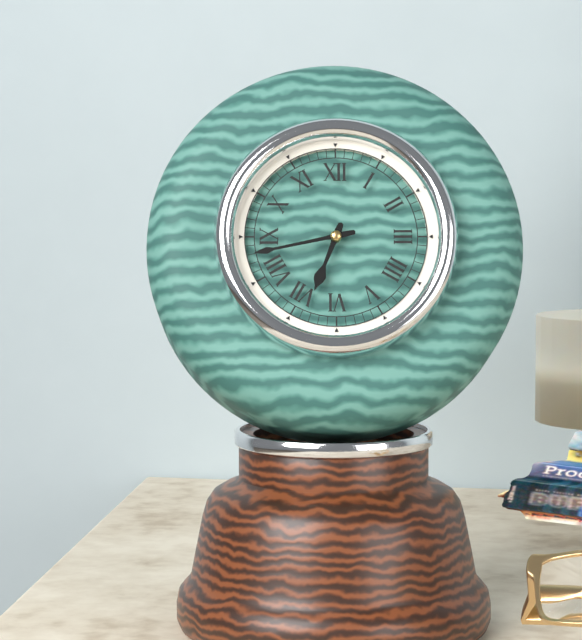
6:43
